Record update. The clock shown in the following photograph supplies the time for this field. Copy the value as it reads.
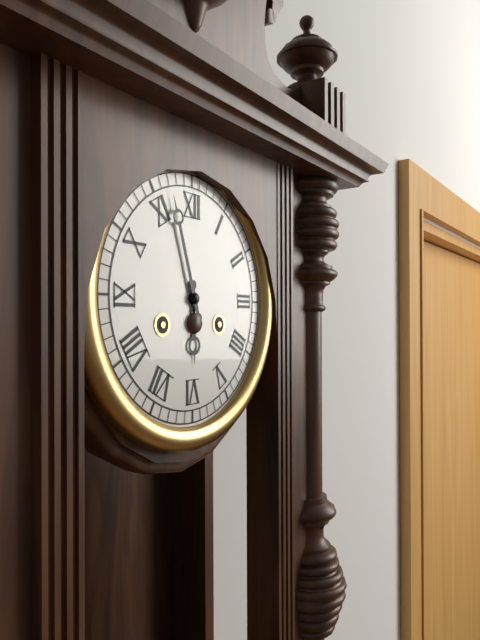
5:57
